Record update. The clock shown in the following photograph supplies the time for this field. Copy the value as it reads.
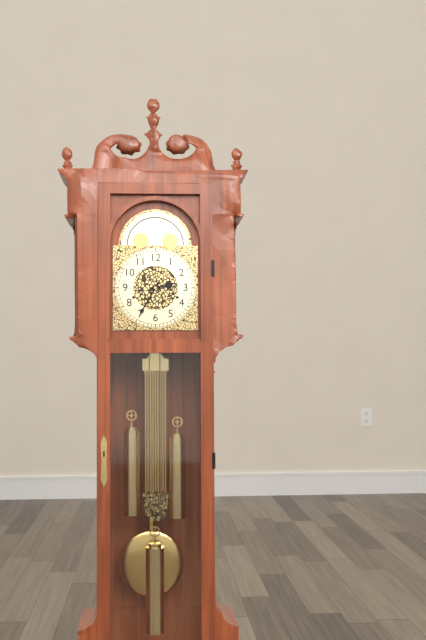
2:35
